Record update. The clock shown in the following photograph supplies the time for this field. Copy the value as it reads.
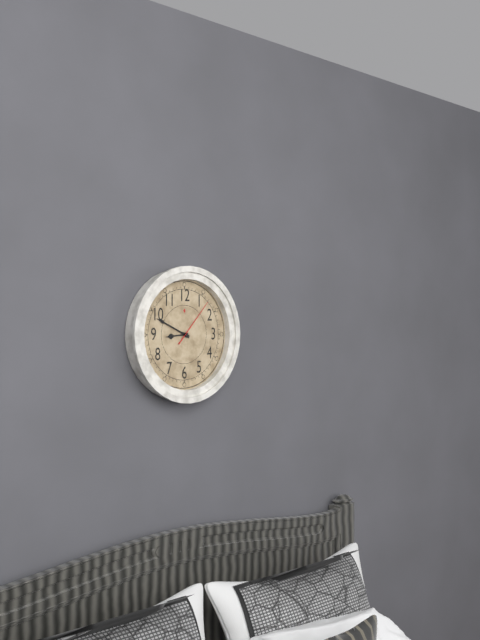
8:49:07
